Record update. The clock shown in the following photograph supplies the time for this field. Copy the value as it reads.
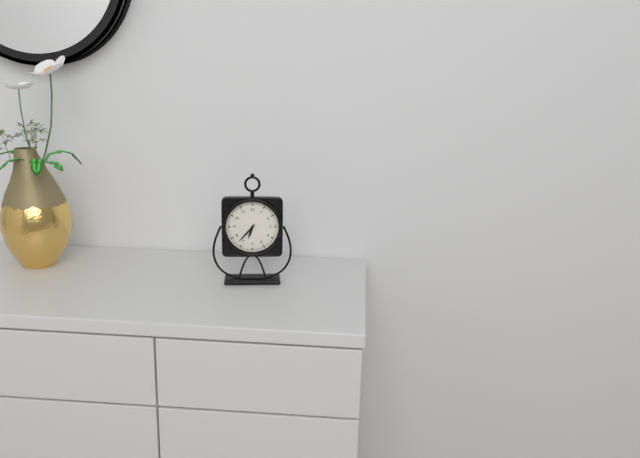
6:37
